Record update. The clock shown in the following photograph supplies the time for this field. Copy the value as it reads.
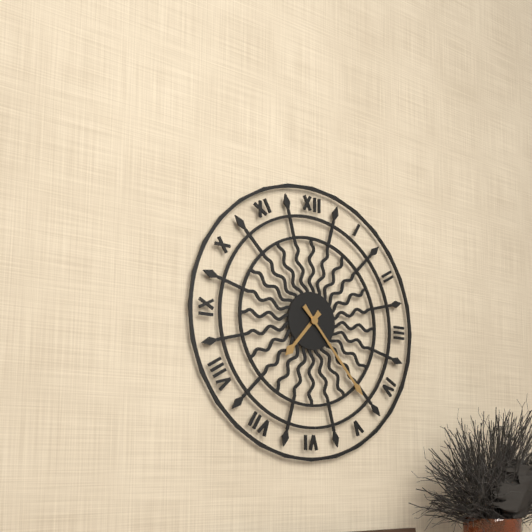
7:23
